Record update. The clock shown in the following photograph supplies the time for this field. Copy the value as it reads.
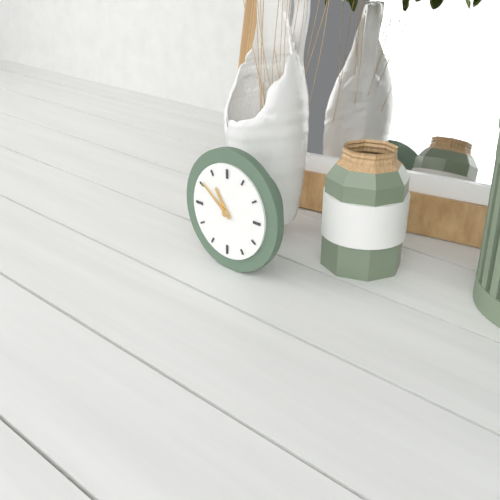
10:51
